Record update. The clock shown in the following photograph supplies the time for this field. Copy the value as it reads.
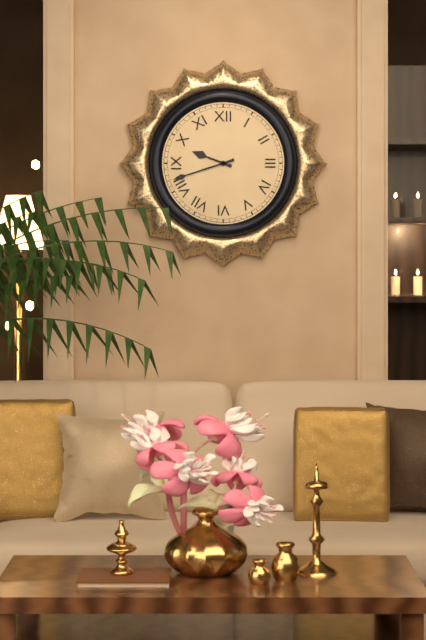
9:42
